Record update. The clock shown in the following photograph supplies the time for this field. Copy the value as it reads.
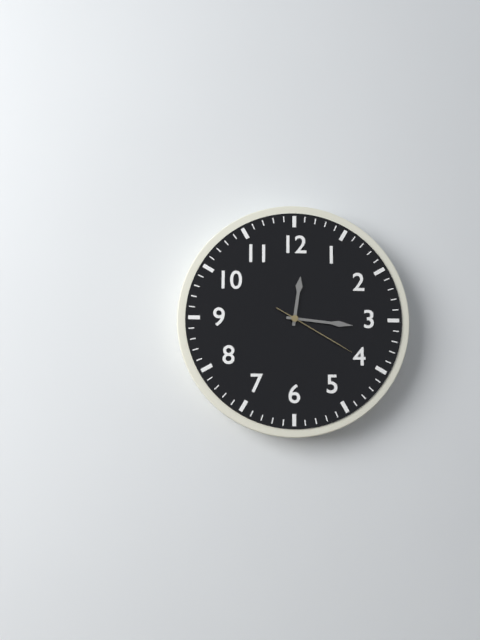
12:16:20
